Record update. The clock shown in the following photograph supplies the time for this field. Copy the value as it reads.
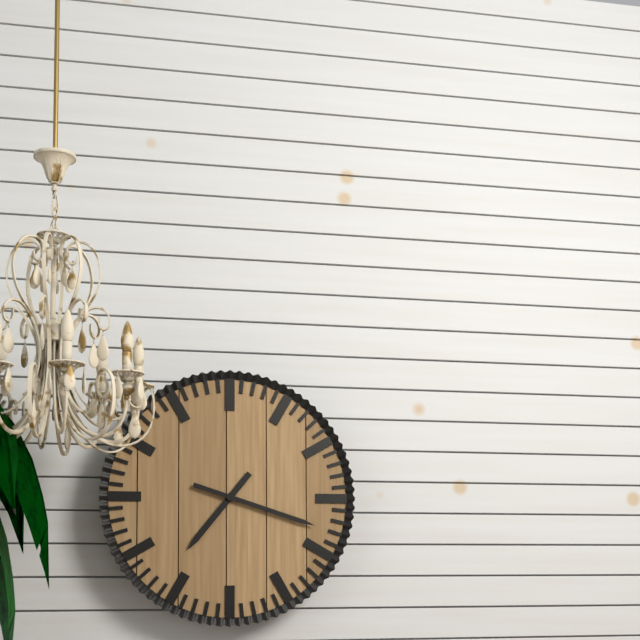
7:18
